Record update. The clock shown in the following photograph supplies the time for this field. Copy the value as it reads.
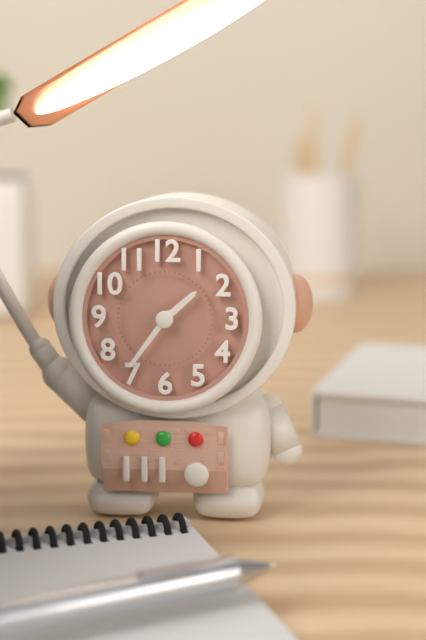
1:36
